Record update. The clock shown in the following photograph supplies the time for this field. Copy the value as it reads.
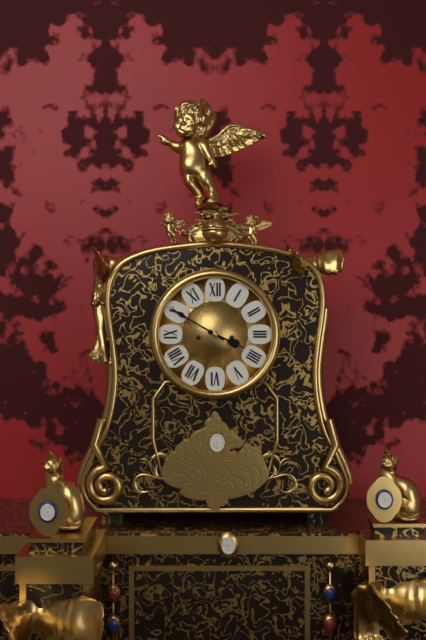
3:50
